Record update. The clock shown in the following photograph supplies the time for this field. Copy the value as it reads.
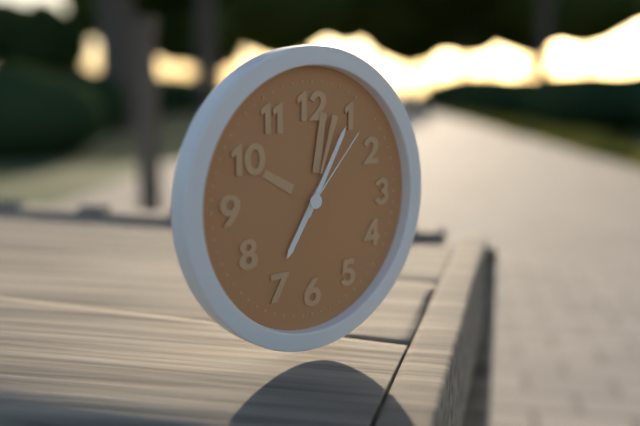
7:05:07
